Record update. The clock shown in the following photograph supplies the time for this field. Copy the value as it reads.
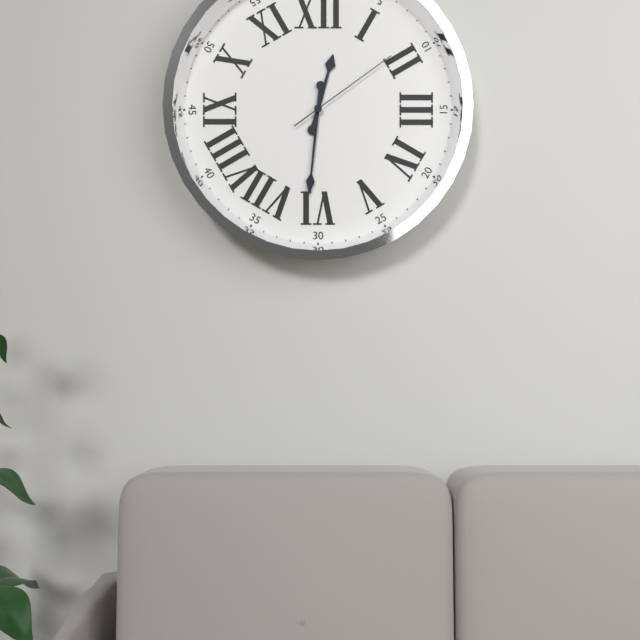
12:31:09
